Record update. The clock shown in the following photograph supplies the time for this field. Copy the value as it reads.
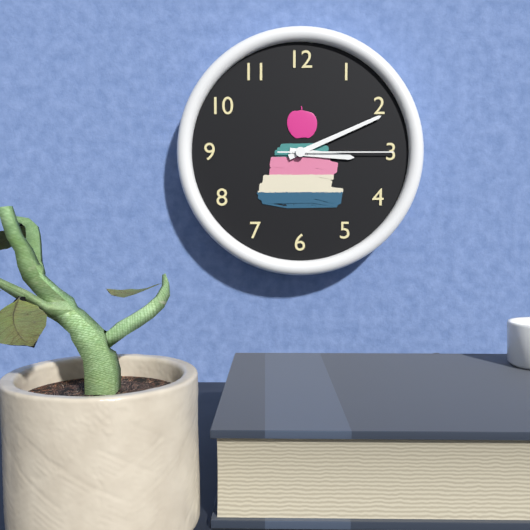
3:11:15
